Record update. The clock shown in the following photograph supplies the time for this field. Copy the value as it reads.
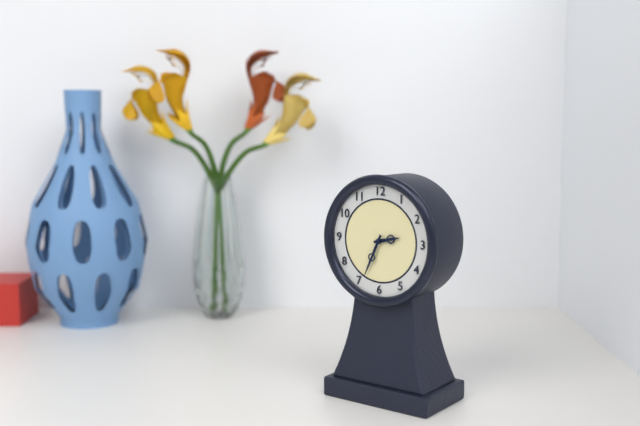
2:34
